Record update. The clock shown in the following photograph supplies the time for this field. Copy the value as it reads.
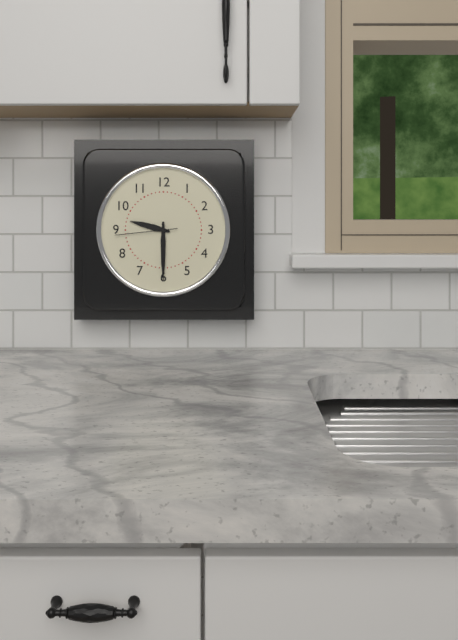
9:30:44
